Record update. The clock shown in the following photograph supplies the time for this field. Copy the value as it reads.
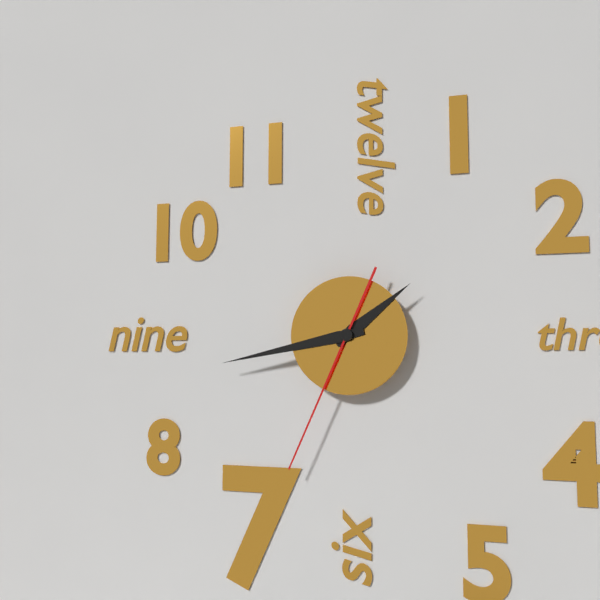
1:43:34
